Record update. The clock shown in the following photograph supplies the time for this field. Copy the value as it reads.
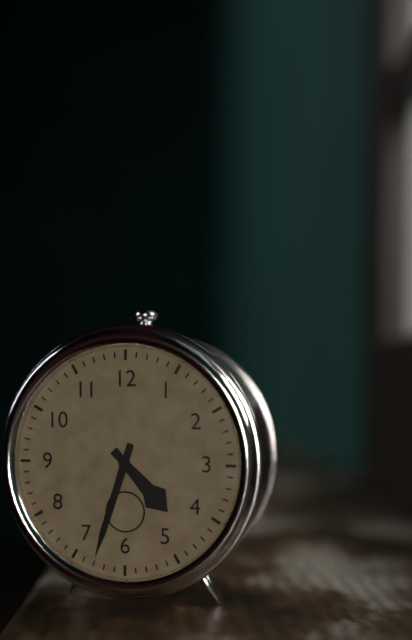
4:33
